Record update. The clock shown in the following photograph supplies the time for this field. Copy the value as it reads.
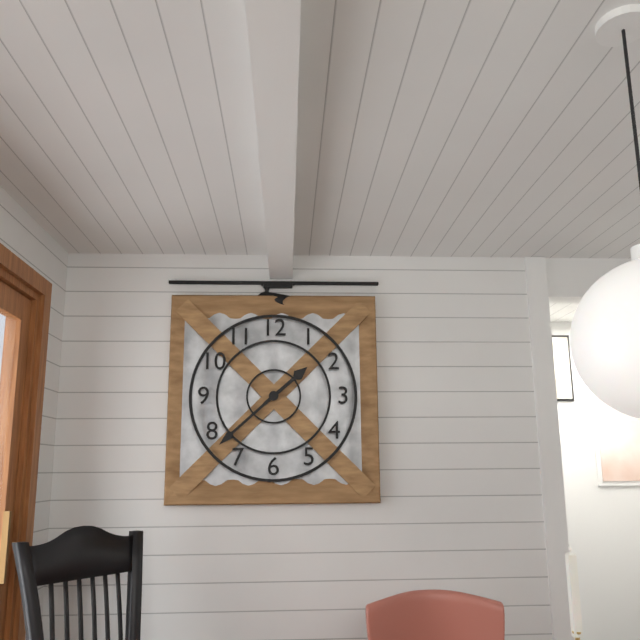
1:38
